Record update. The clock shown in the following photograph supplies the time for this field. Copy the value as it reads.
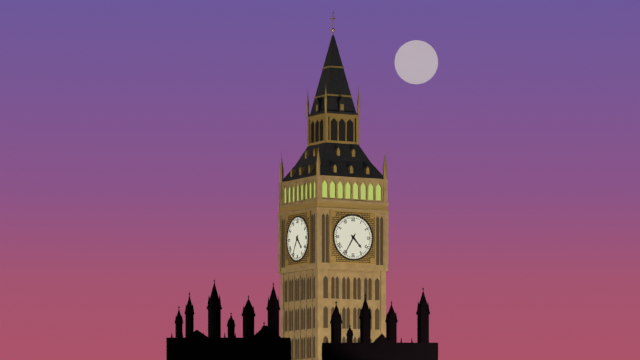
4:35
